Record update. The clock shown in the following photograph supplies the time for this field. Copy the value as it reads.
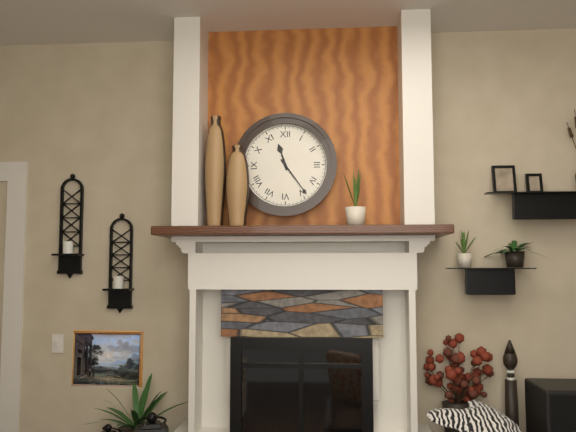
11:24
